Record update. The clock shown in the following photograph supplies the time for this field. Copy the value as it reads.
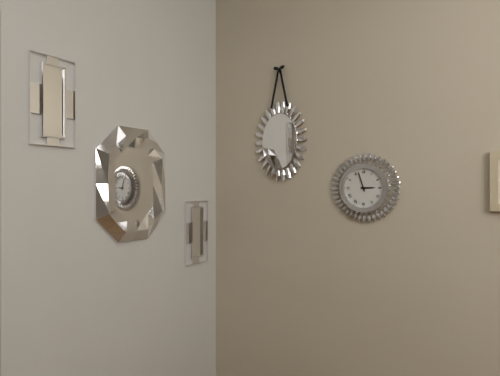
2:57
